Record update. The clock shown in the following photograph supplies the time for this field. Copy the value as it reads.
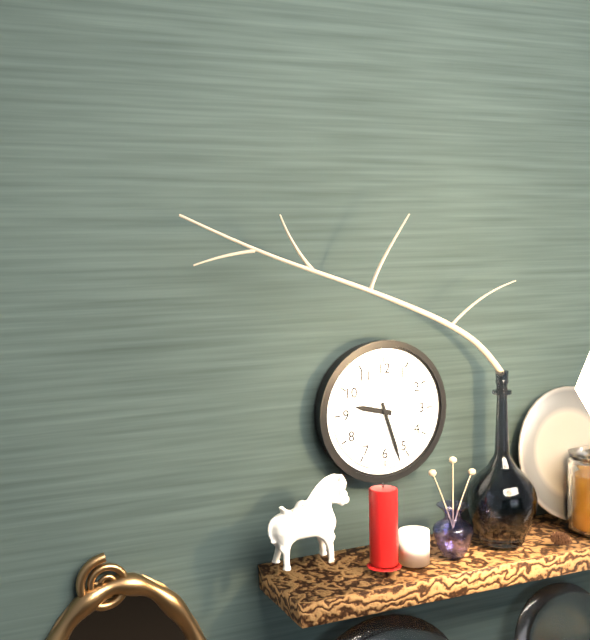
9:27
